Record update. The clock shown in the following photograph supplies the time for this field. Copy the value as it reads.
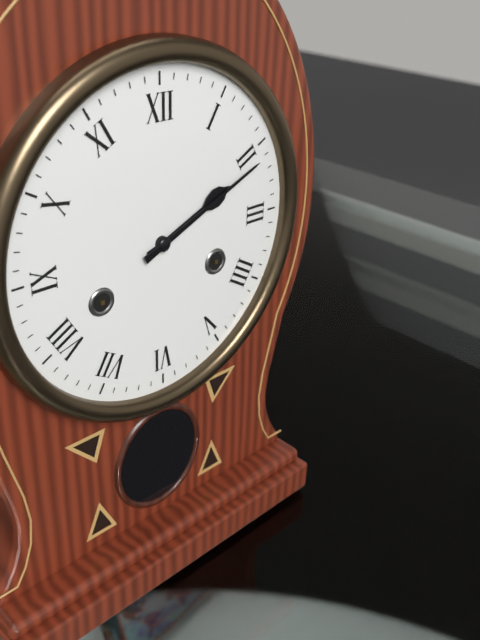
2:11
